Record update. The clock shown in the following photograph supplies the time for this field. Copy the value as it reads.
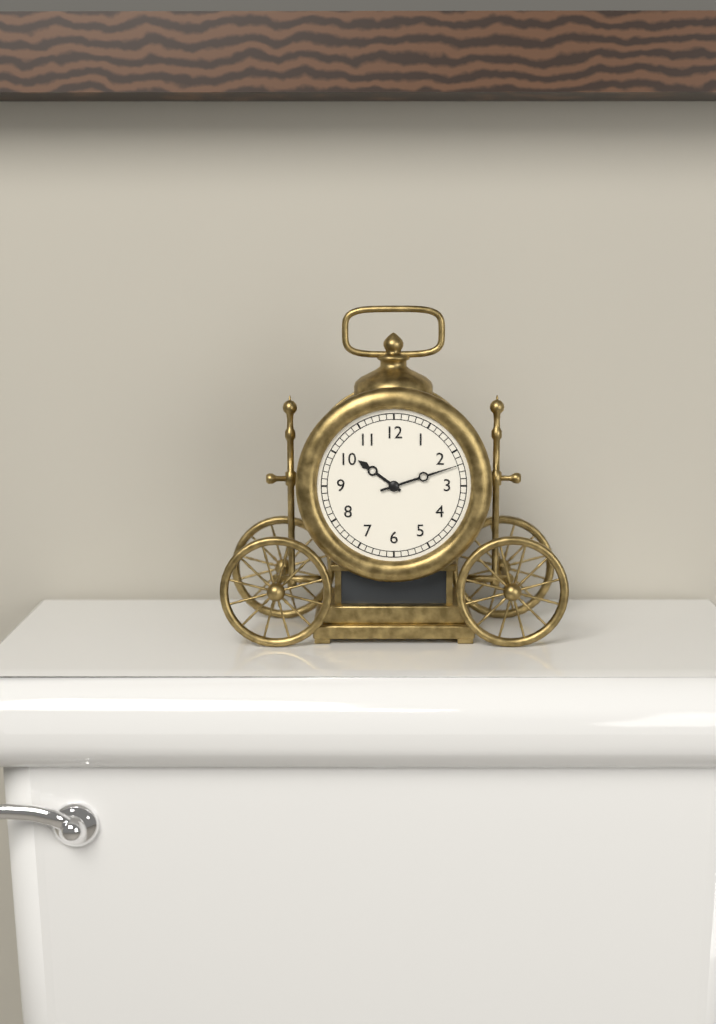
10:12
